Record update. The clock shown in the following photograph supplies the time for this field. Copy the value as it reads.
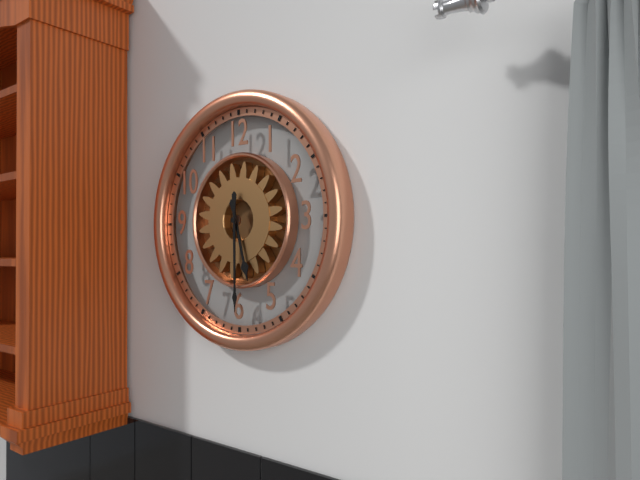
5:30
